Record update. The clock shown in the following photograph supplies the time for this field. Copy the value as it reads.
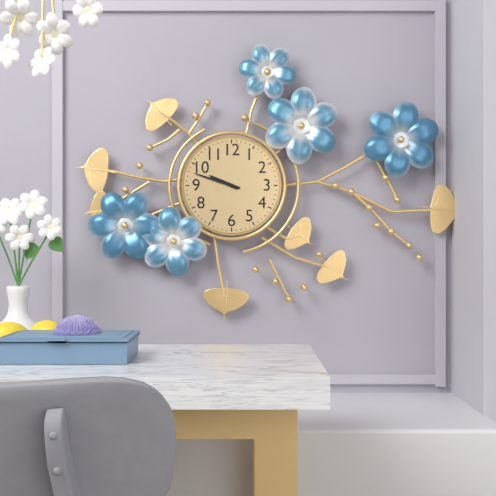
9:48
